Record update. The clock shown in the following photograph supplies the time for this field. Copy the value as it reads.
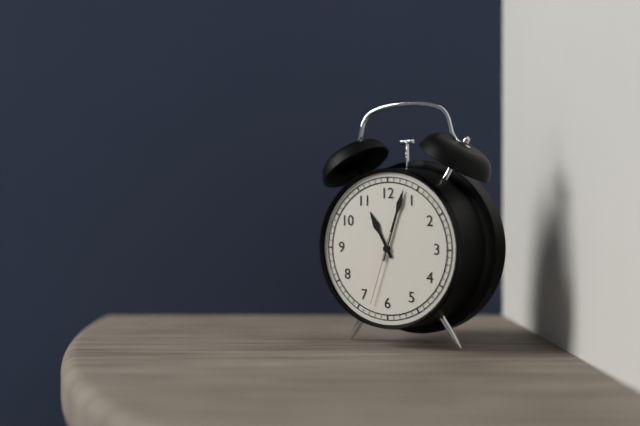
11:03:33
